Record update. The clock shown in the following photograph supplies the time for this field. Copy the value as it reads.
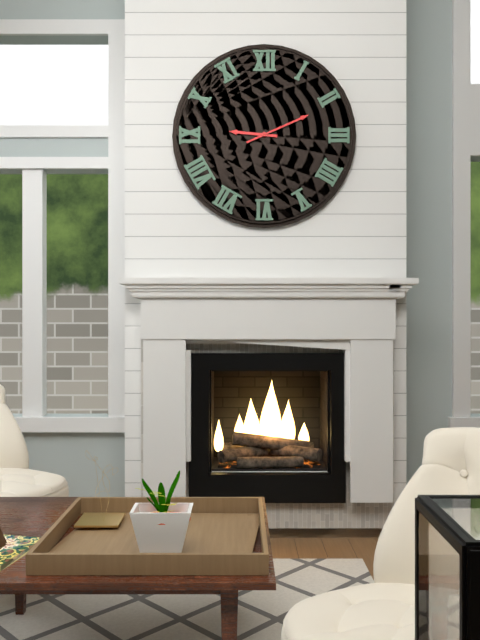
9:11
